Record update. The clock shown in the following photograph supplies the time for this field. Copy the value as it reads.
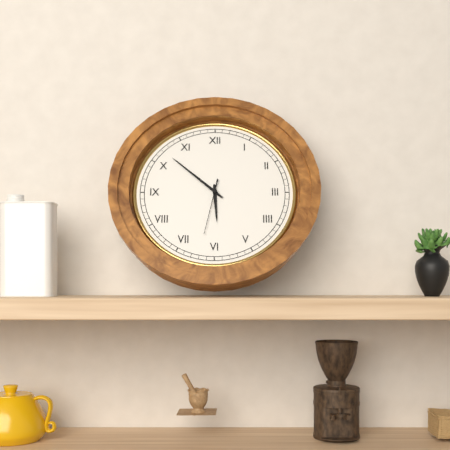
5:52:32
